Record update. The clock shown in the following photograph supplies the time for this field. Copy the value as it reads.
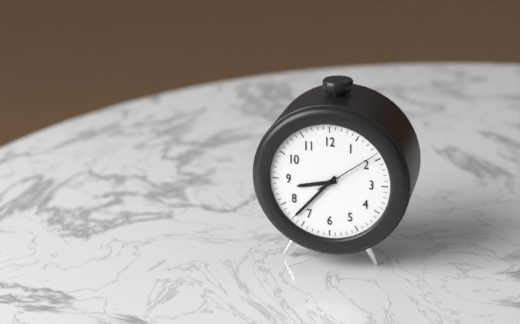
8:37:09
